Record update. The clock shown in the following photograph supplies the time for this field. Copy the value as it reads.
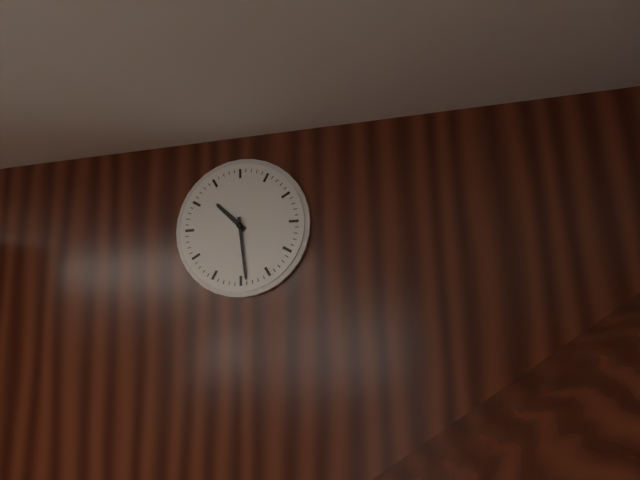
10:29
